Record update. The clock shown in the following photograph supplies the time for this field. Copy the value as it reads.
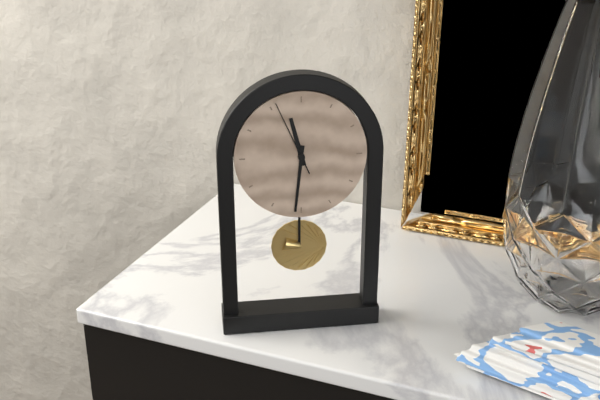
11:31:56
